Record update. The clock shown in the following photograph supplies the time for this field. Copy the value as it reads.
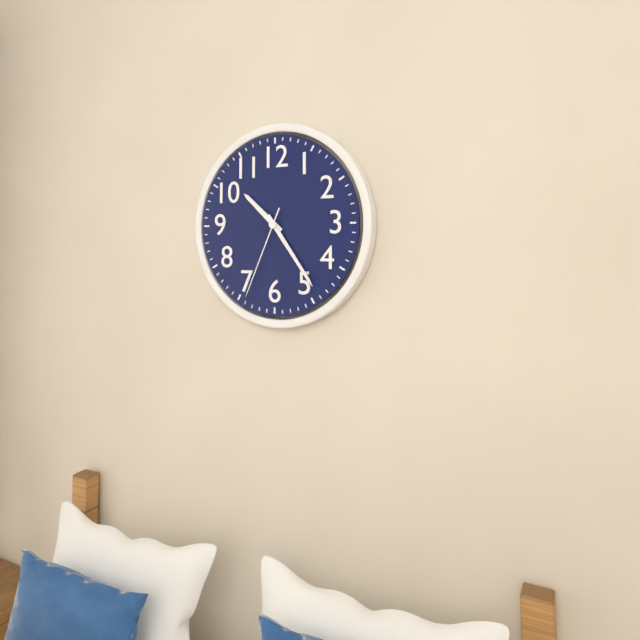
10:24:34
